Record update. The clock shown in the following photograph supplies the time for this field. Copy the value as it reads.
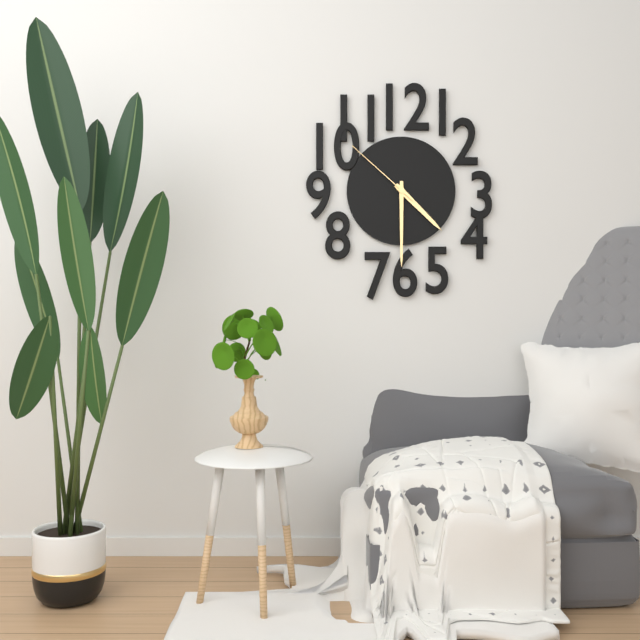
4:30:52
